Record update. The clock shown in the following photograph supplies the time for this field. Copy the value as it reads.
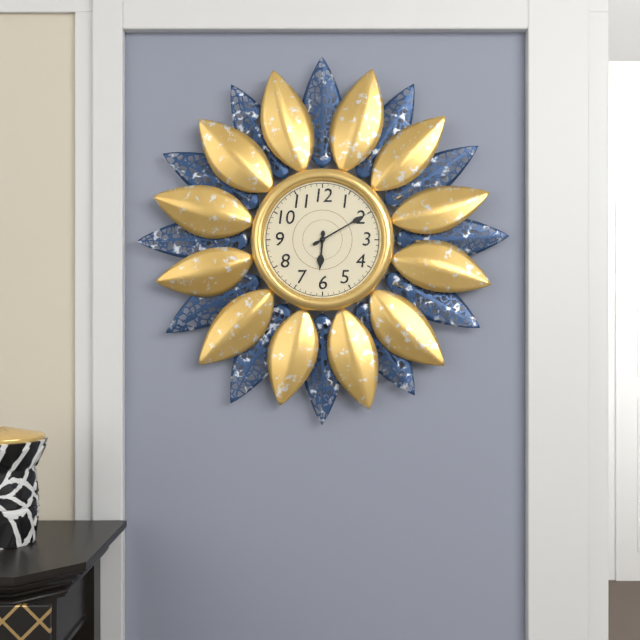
6:10
